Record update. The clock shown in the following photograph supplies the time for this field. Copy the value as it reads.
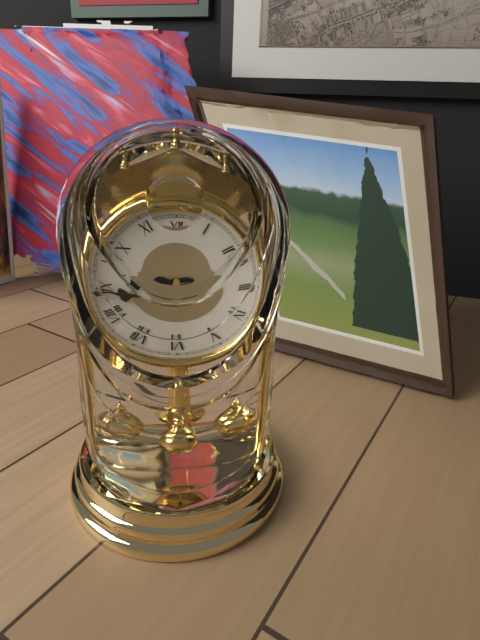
8:44
